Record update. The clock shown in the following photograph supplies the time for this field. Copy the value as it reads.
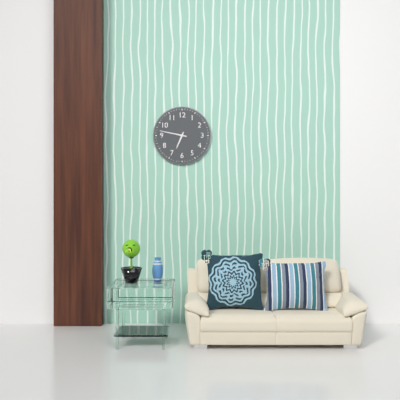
6:47
